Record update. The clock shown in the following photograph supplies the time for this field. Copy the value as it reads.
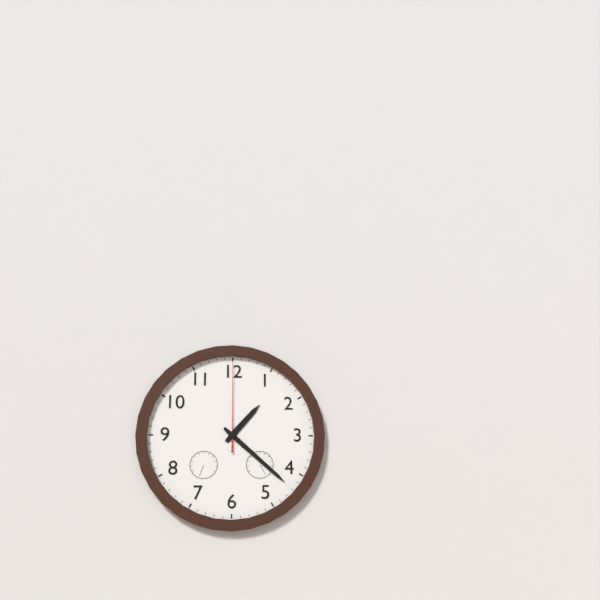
1:22:00
